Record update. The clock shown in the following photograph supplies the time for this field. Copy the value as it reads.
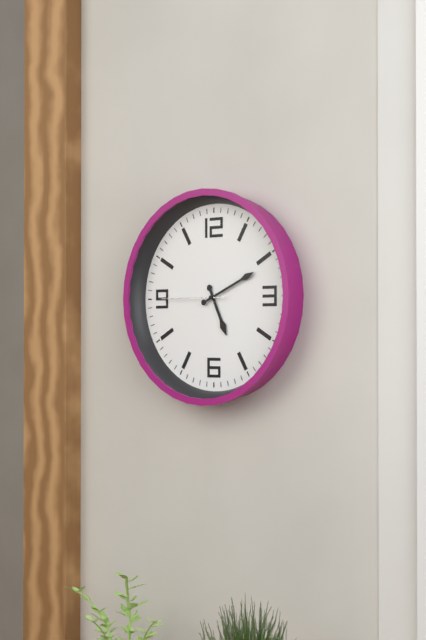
5:11:45
